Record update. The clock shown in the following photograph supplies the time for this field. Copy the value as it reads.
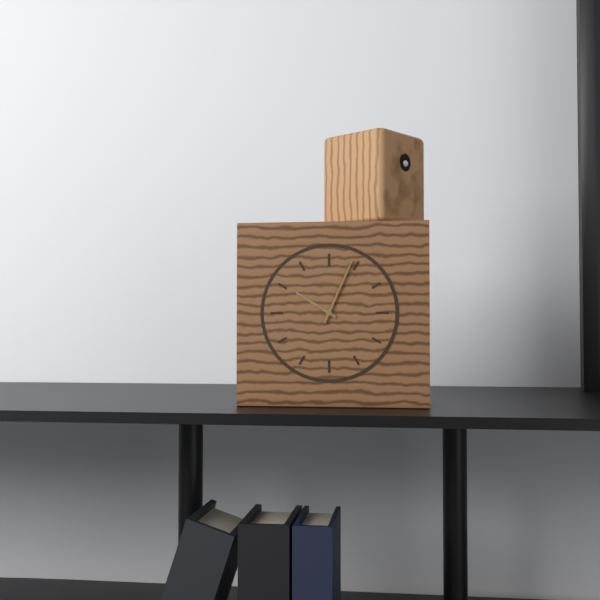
10:04
